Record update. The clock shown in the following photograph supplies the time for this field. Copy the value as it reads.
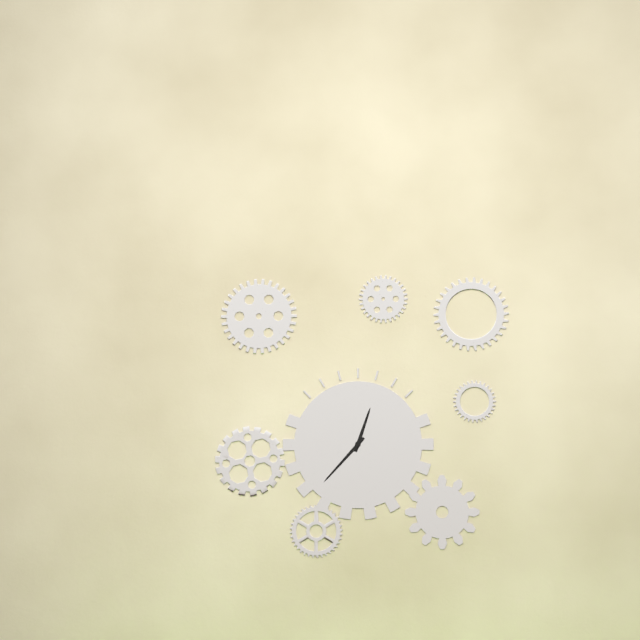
12:37
